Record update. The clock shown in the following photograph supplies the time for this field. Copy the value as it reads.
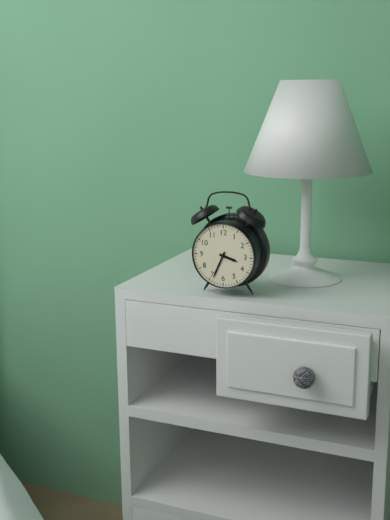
3:34
